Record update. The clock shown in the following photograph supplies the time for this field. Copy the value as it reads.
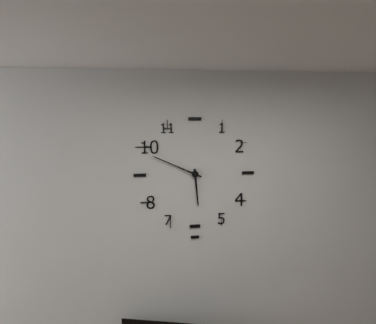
5:49
